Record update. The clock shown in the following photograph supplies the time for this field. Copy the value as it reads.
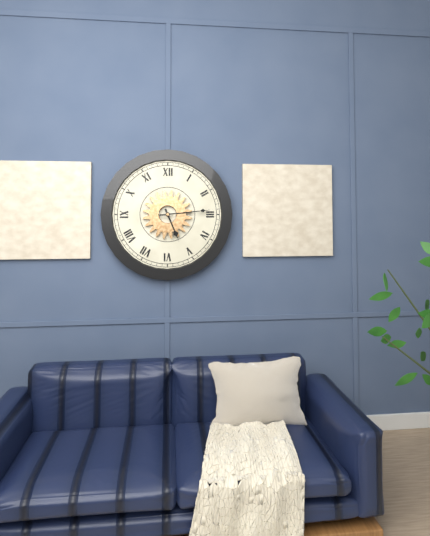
5:14
